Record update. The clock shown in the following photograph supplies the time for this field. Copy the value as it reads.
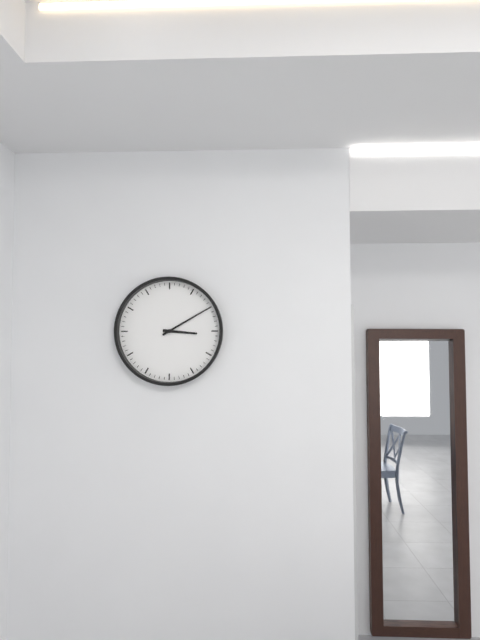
3:10
